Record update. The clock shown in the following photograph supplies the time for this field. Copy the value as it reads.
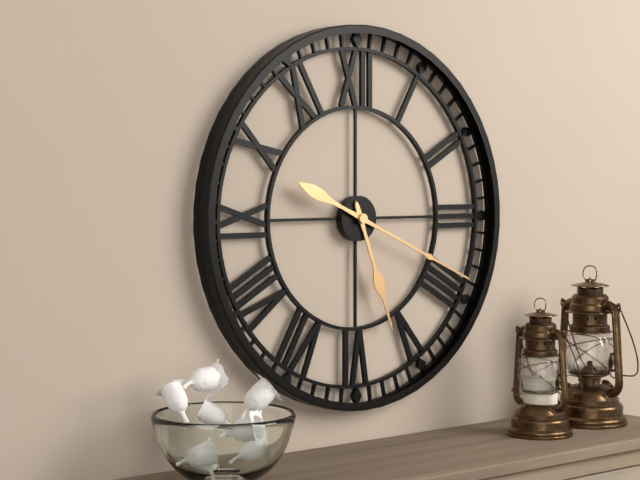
5:19
